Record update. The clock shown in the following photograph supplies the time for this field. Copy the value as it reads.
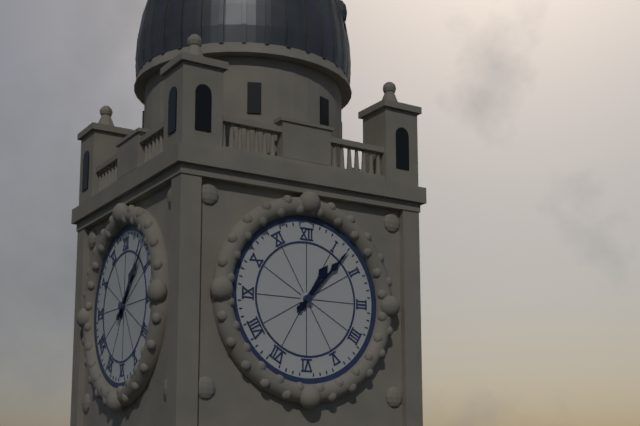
1:07
